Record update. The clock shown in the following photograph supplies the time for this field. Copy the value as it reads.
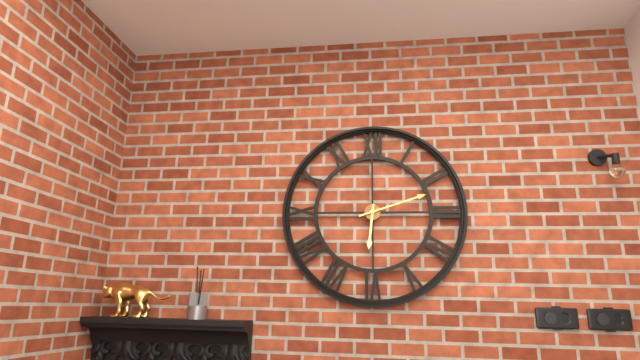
6:12
